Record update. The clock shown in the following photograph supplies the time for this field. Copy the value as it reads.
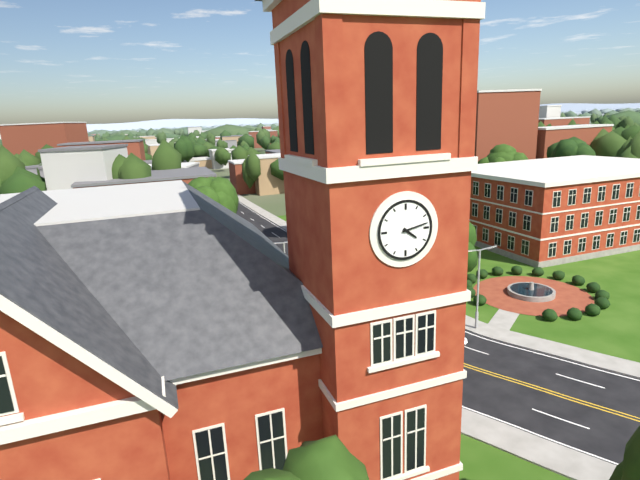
4:13
